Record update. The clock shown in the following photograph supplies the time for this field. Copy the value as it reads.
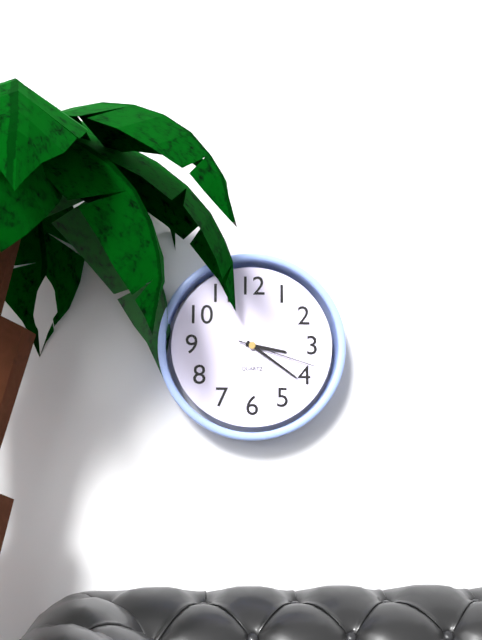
3:21:18
